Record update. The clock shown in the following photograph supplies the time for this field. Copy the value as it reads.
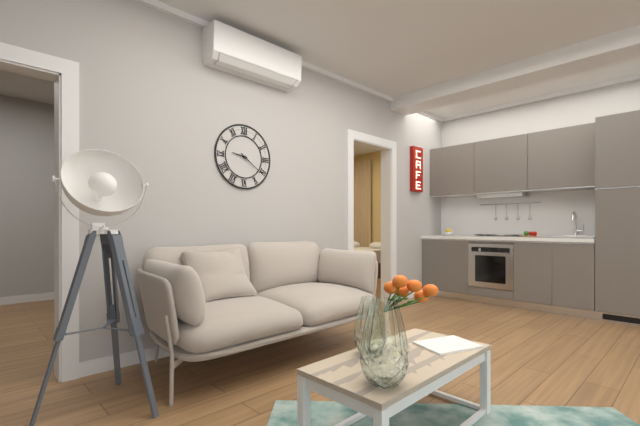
9:21
